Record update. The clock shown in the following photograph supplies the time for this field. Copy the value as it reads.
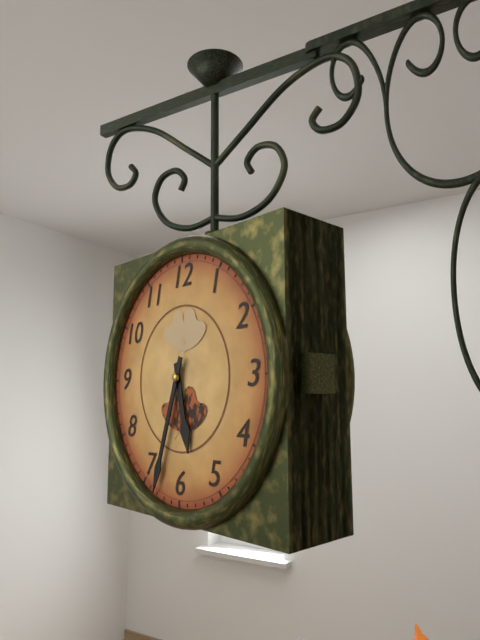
5:33
